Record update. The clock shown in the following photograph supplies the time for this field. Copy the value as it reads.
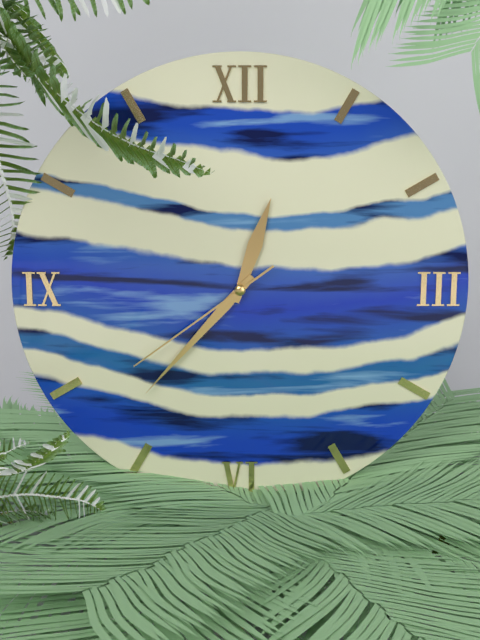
12:37:39
